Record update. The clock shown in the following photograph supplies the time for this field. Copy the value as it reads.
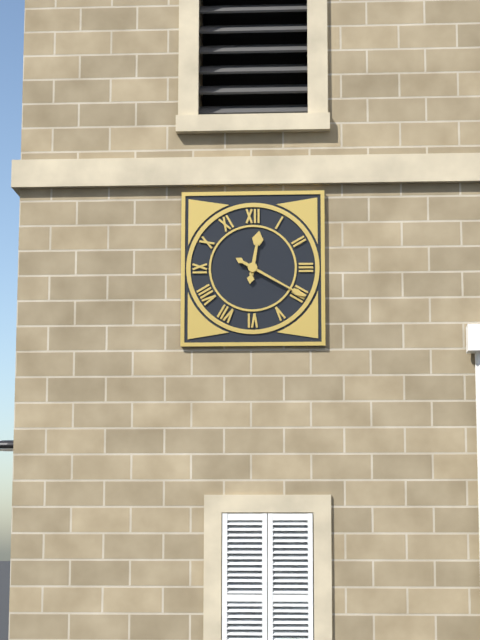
12:20
